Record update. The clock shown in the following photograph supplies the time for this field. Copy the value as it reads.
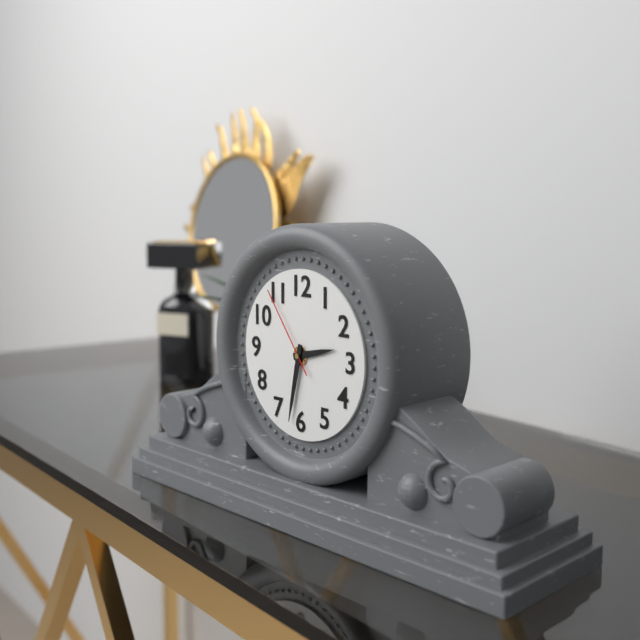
2:32:54
